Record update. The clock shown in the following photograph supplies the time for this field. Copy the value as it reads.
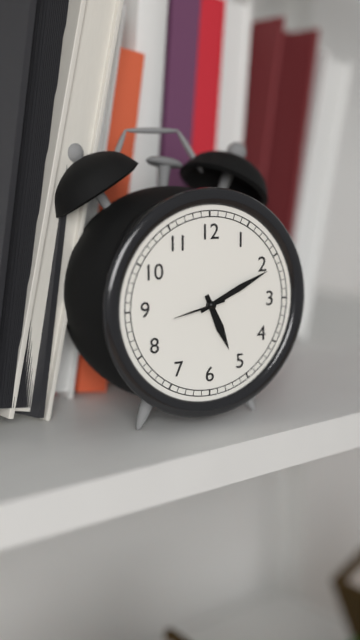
5:11:43
